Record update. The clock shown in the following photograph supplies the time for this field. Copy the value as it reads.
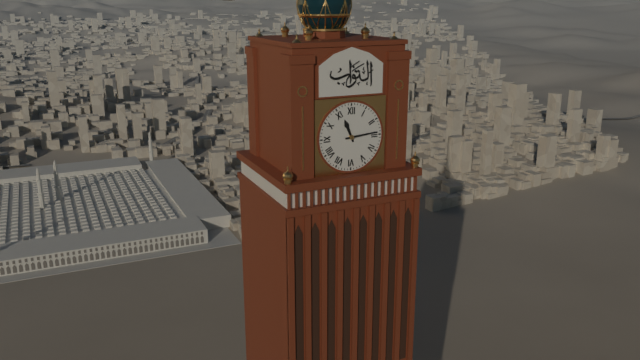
11:14
